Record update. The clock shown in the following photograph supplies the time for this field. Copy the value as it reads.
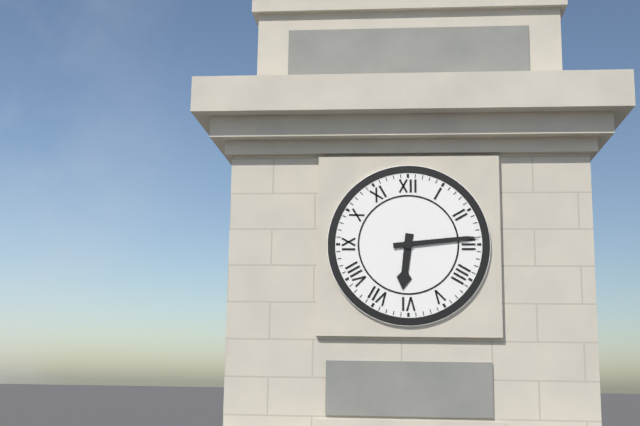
6:14
